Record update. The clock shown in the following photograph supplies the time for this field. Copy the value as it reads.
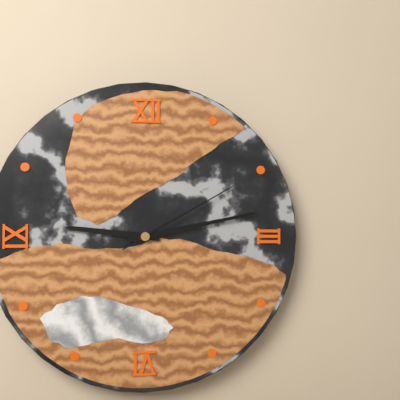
9:13:10
